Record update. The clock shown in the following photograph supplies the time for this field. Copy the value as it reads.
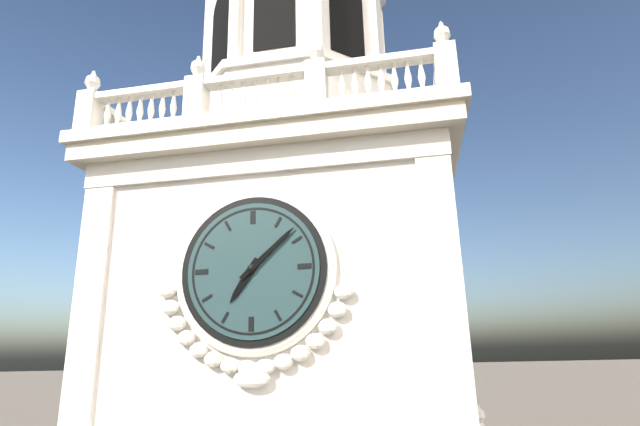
7:08
